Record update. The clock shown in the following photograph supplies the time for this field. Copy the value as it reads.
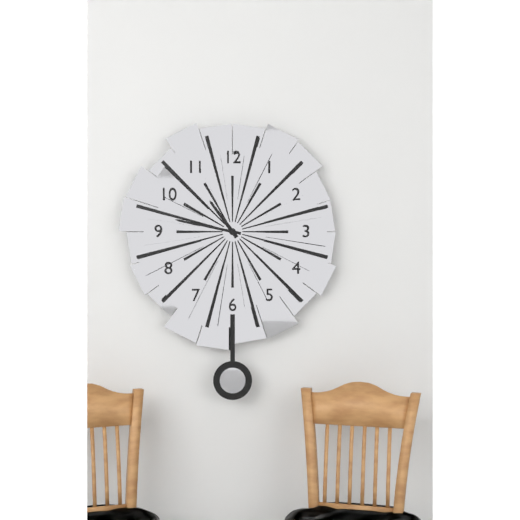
10:47
